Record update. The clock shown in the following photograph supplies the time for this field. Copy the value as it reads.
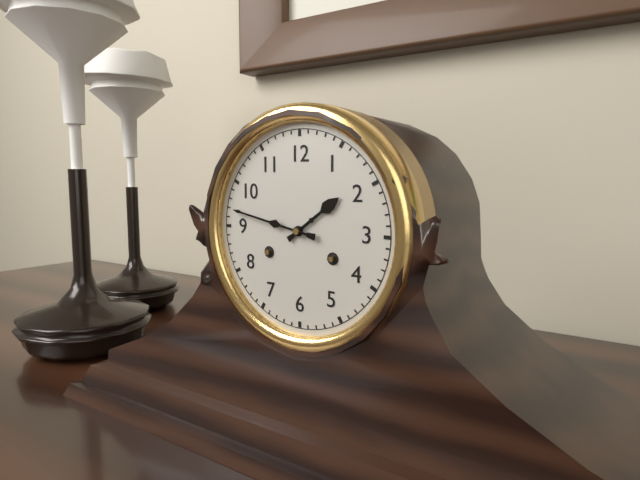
1:47
